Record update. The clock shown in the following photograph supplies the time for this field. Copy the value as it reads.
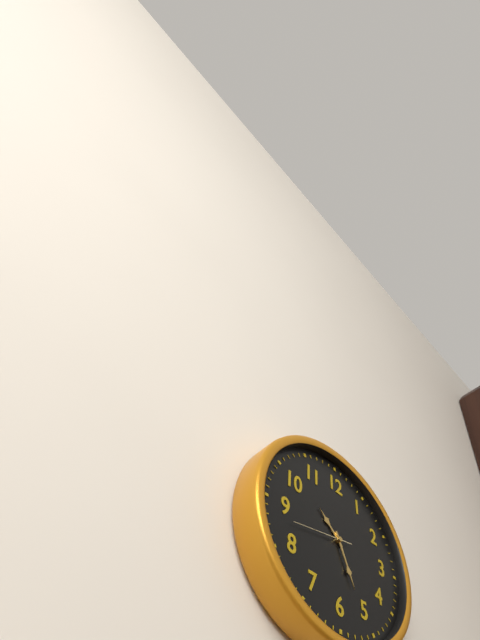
10:26
